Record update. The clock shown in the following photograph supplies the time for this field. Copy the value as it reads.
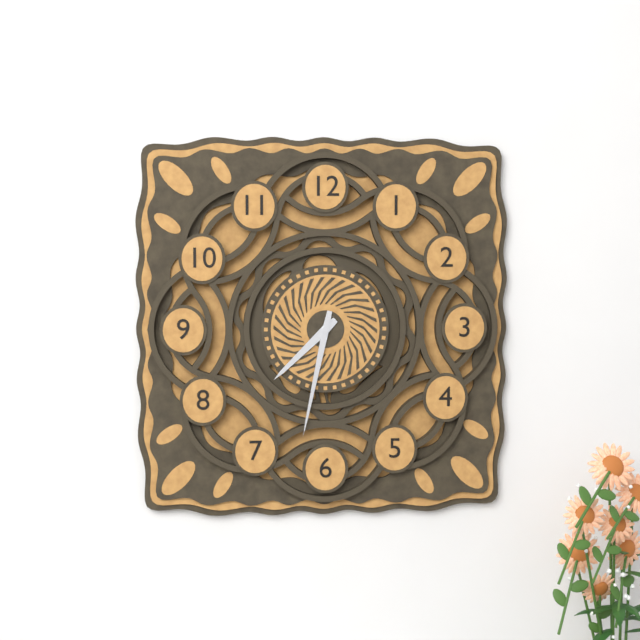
7:32
